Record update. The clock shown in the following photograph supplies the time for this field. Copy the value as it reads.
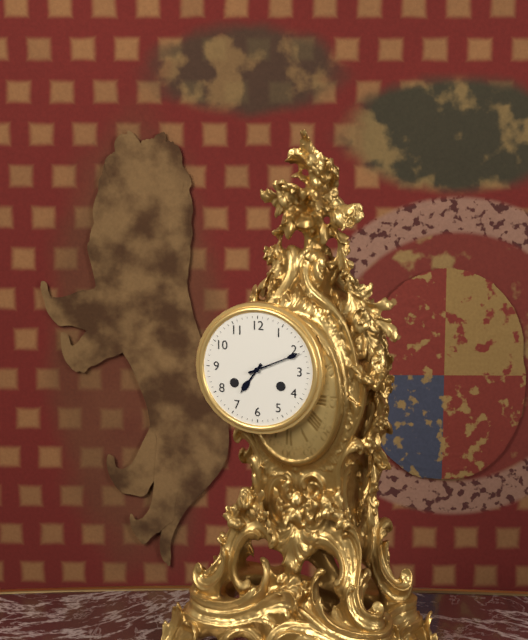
7:11
